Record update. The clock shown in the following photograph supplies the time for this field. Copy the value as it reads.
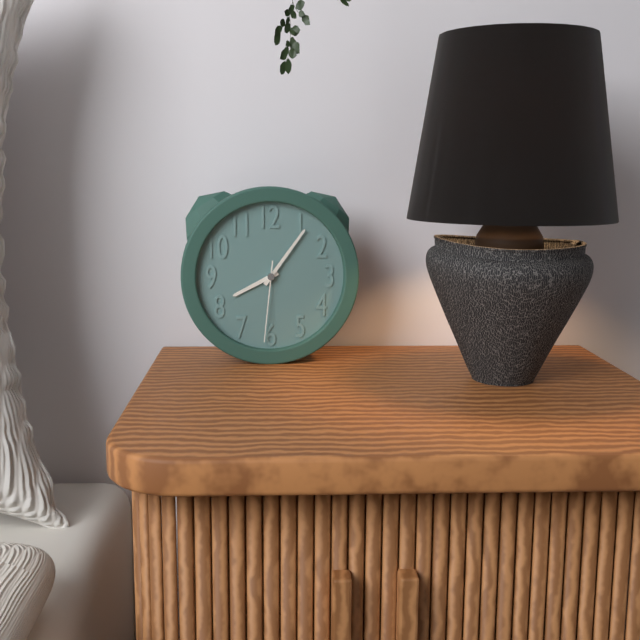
8:06:31
